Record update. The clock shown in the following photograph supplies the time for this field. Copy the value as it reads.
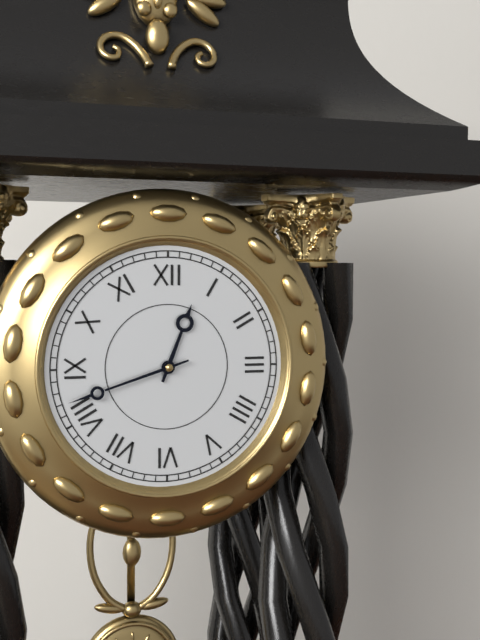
12:42
